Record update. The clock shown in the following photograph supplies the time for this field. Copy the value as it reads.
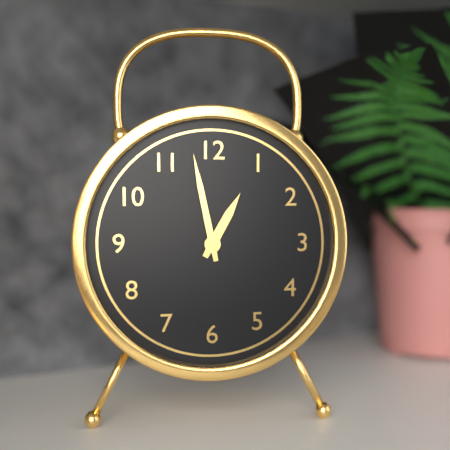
12:58
